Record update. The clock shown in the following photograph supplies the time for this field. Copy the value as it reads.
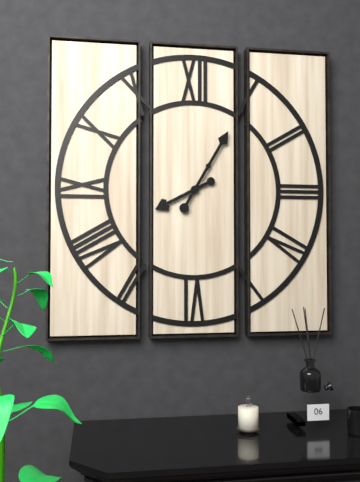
8:05
